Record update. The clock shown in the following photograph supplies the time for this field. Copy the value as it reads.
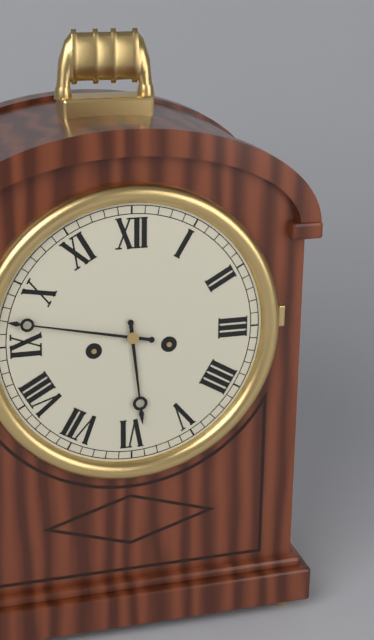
5:47
